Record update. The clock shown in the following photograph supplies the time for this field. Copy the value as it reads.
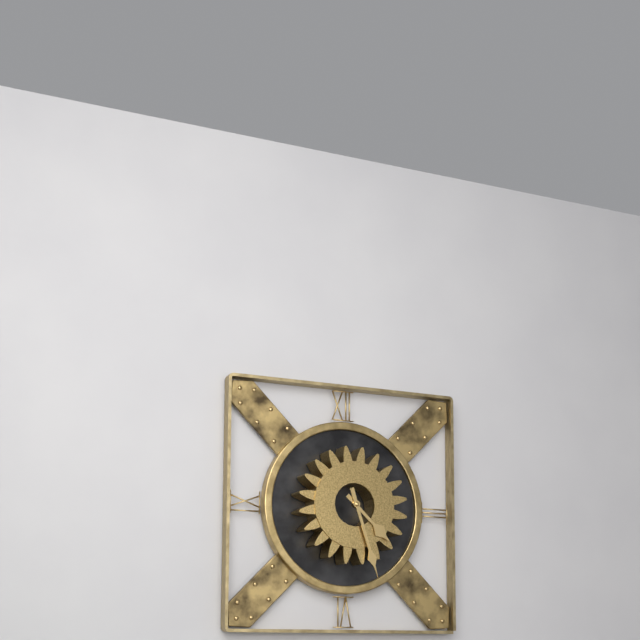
4:27
